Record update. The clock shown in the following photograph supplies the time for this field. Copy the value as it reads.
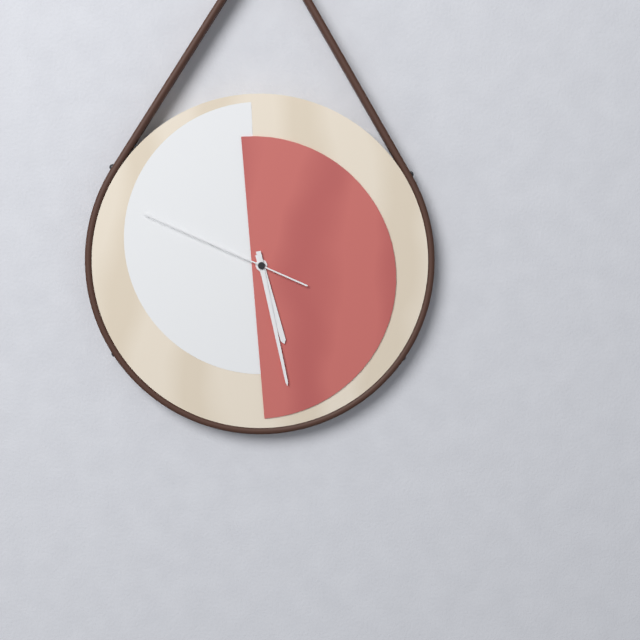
5:28:49
